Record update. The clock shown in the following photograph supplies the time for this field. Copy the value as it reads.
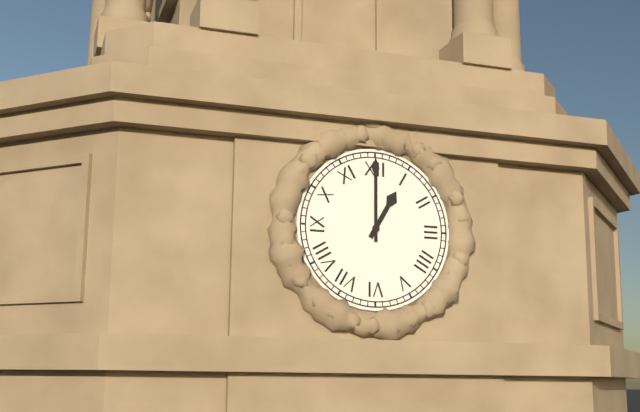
1:00
